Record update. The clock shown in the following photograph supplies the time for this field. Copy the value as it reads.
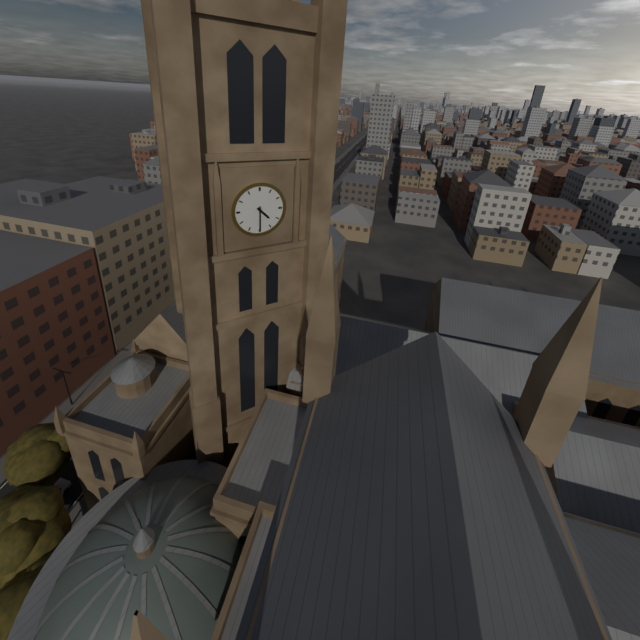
4:30
